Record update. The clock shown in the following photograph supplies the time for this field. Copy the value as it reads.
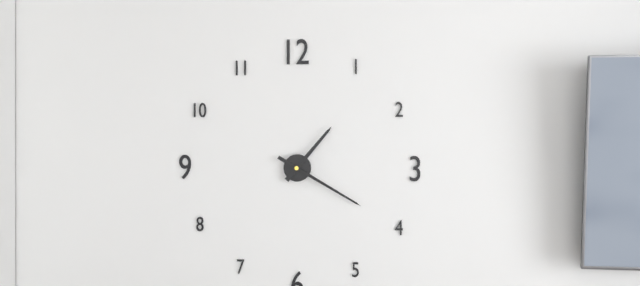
1:20
